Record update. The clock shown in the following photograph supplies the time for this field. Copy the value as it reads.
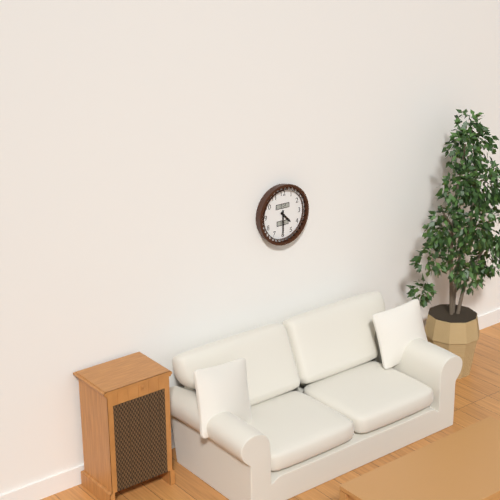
4:30
